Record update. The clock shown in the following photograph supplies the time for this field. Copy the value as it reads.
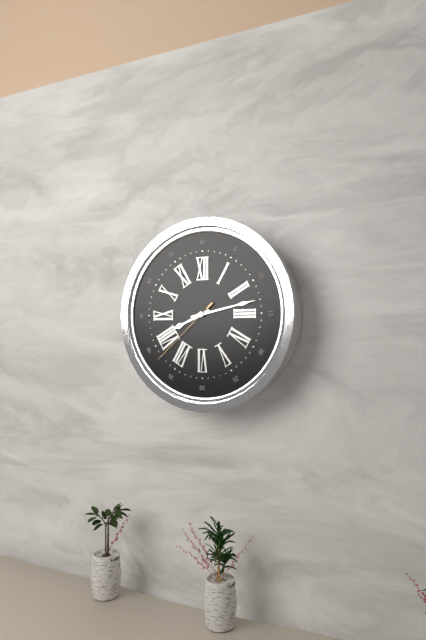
8:13:38
